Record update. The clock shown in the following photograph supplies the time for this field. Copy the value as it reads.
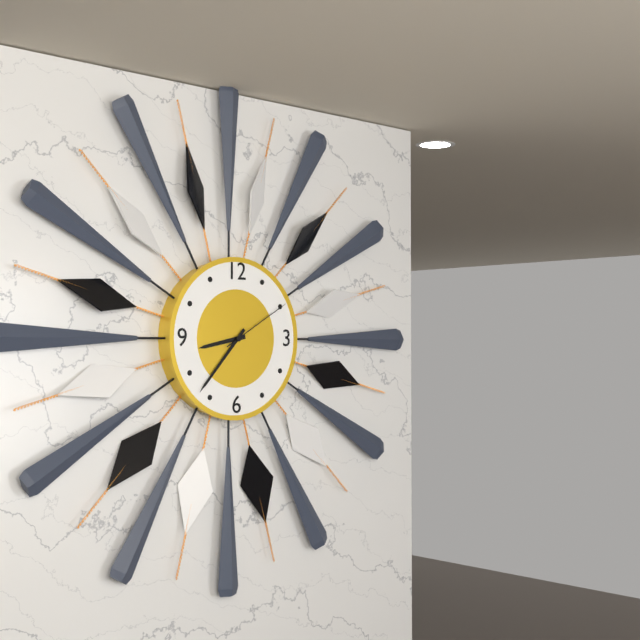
8:37:10
